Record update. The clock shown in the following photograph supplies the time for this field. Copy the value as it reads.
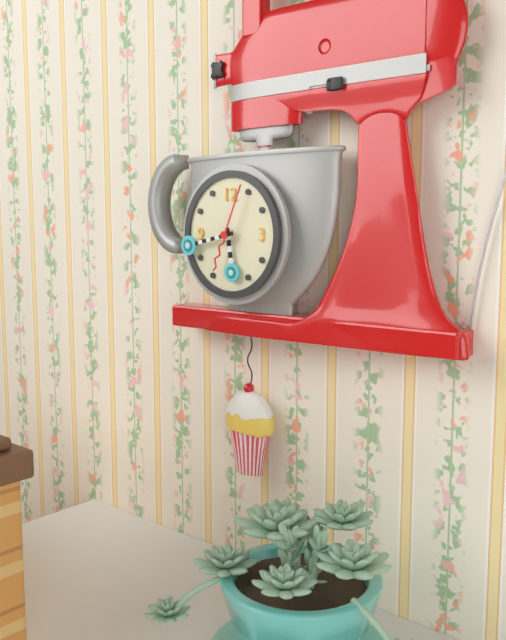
5:43:04
